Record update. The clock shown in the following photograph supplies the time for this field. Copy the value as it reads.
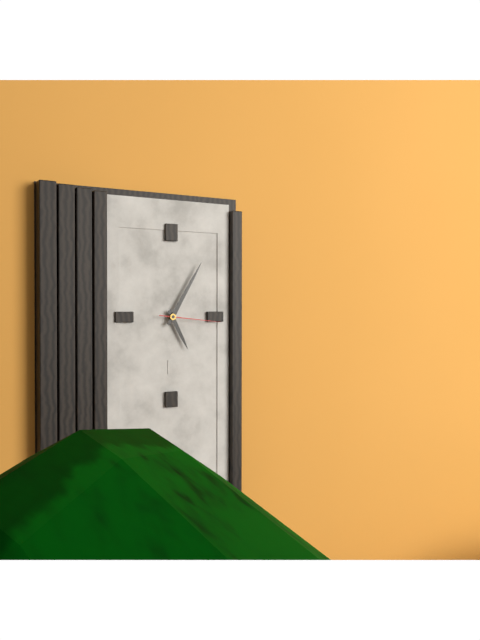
5:05:16
